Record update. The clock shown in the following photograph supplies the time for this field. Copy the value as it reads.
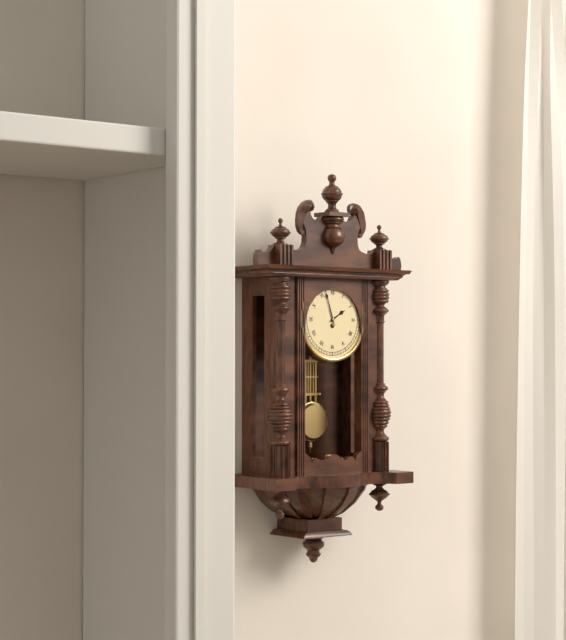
1:57
